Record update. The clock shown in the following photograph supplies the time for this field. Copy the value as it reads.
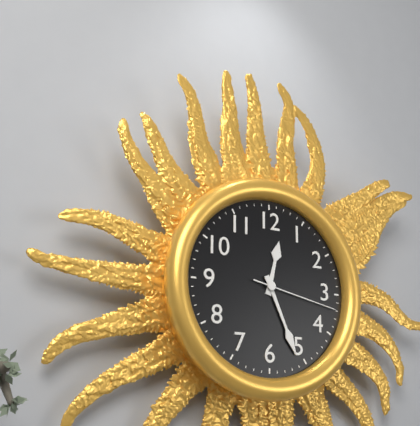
12:26:17
